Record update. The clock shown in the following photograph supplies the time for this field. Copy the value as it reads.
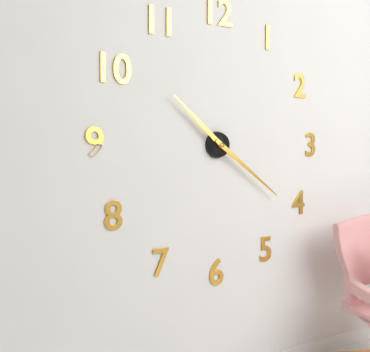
10:21
